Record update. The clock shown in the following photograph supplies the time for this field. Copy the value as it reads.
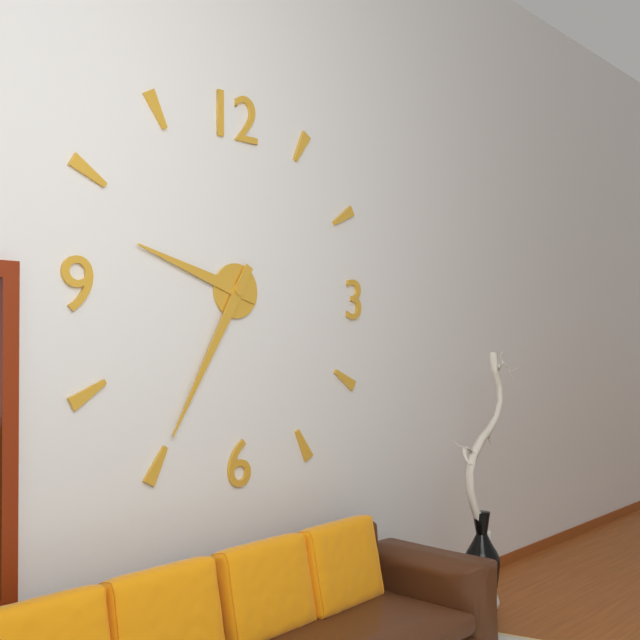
9:35
